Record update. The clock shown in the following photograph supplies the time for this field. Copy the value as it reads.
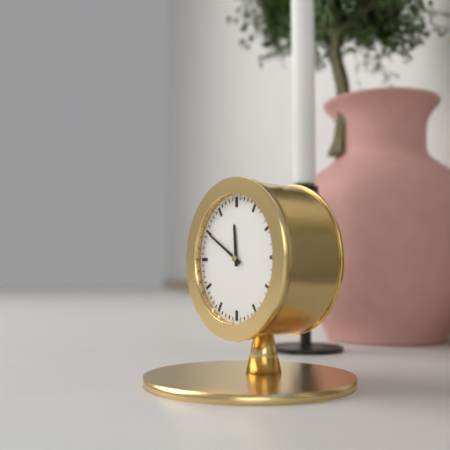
11:50
